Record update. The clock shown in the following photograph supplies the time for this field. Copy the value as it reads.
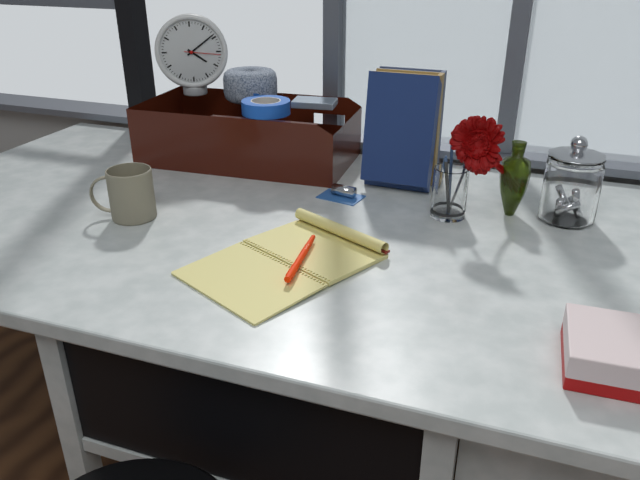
4:09
